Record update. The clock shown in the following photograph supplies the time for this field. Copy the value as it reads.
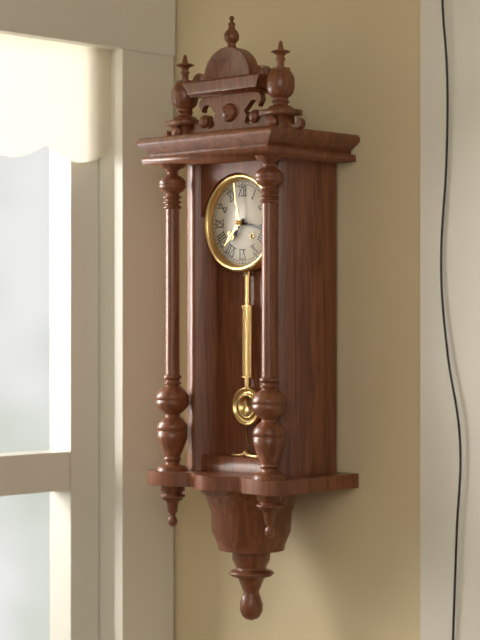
7:17
